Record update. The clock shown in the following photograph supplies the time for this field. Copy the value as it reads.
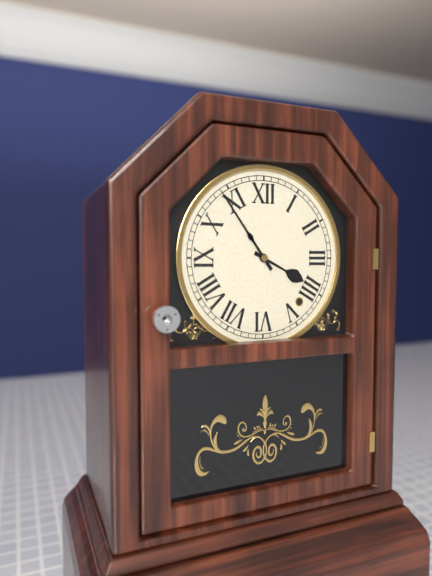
3:54
